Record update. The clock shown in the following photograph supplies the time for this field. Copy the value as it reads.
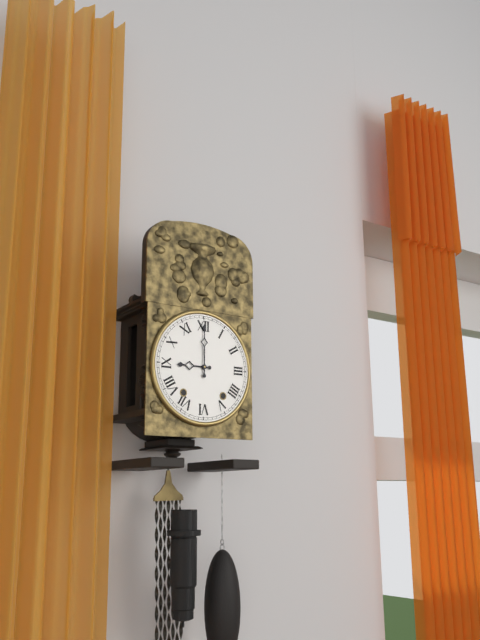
9:00
